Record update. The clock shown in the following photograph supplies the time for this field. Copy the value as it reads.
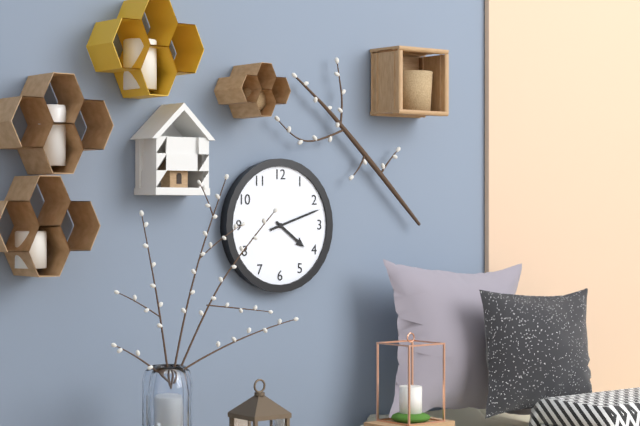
4:12
